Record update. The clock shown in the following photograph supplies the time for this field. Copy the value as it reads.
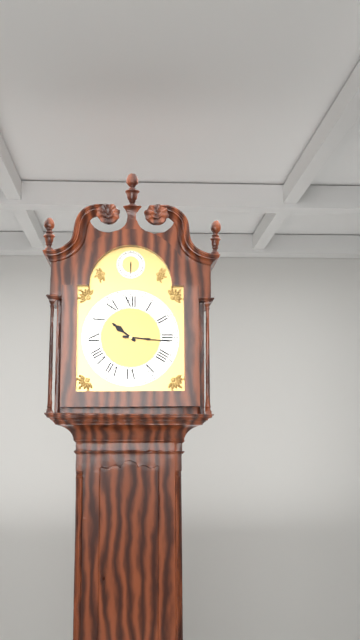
10:16
